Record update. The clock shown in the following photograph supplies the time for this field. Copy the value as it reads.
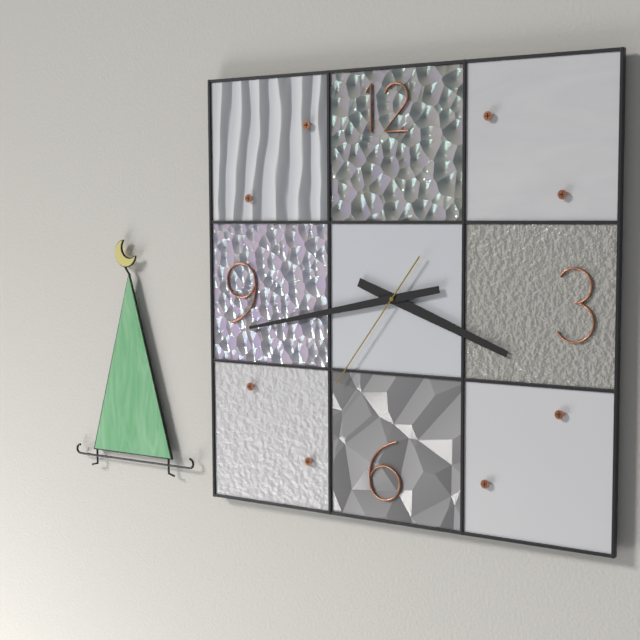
3:43:36
